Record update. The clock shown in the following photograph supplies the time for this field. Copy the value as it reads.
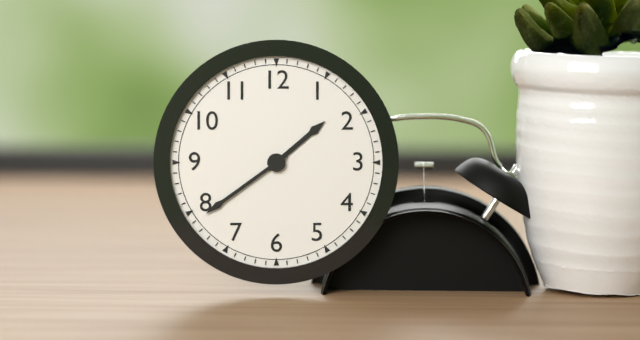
1:39
